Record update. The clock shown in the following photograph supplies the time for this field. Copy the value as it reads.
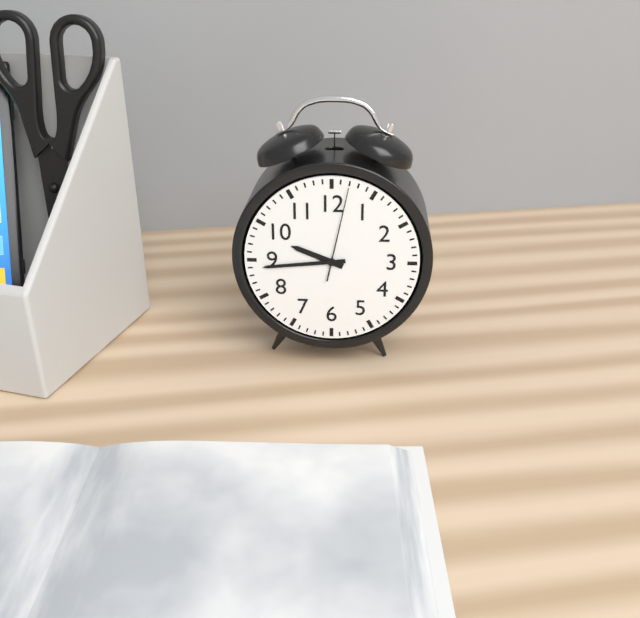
9:44:02
